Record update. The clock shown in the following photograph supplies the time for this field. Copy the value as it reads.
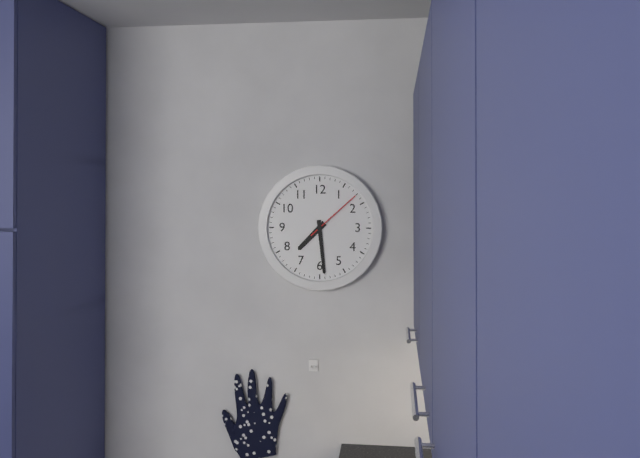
7:29:08
